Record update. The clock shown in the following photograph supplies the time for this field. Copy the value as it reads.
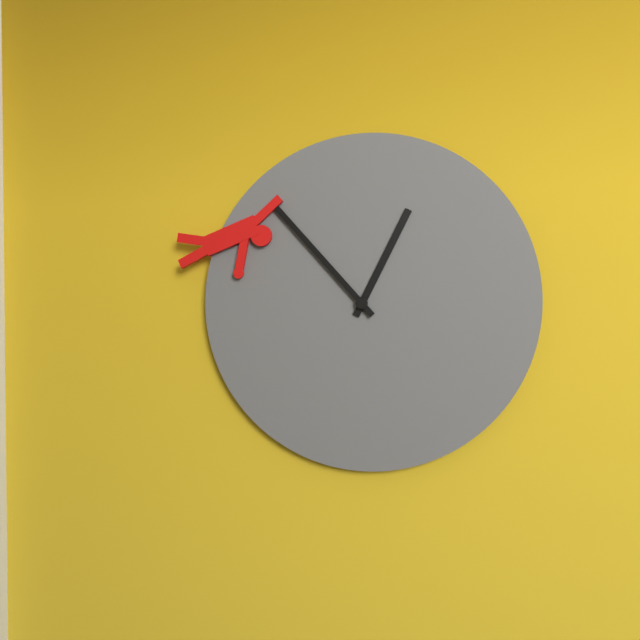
12:53
